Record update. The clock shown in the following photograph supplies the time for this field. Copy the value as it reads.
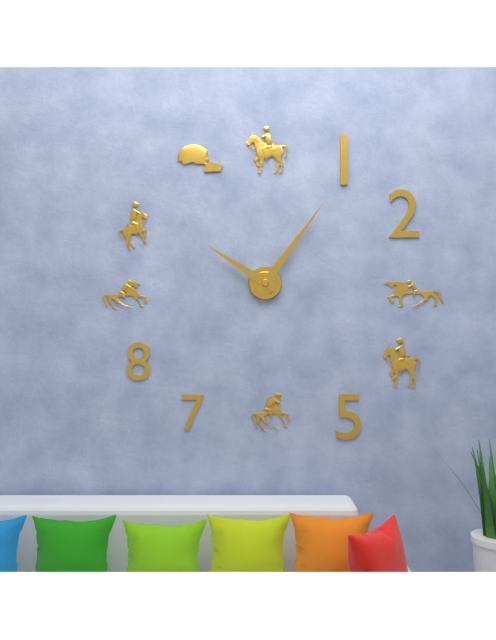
10:06
